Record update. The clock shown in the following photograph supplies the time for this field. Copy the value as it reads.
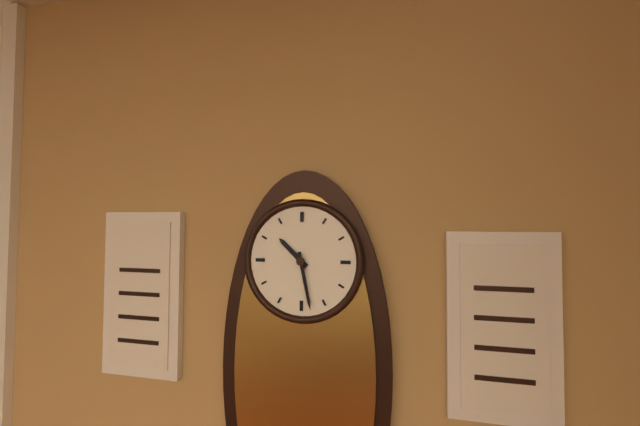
10:28
